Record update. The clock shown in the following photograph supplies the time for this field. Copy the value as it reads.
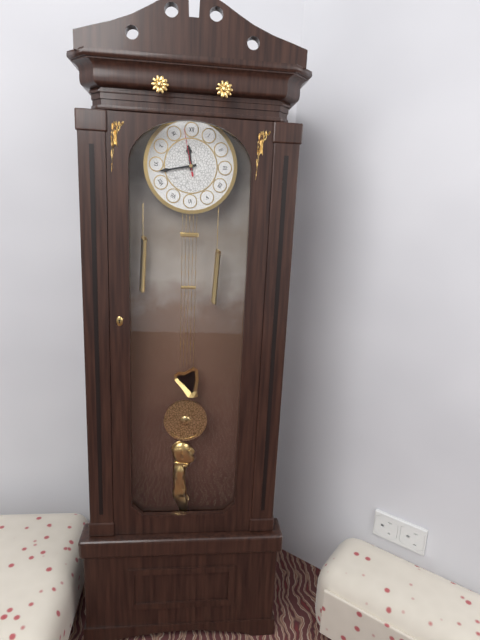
11:43
